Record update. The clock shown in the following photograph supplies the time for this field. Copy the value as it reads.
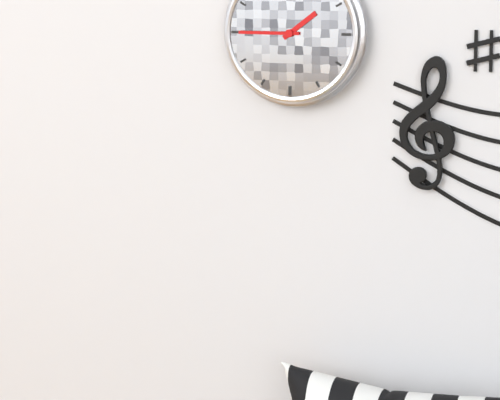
1:45
